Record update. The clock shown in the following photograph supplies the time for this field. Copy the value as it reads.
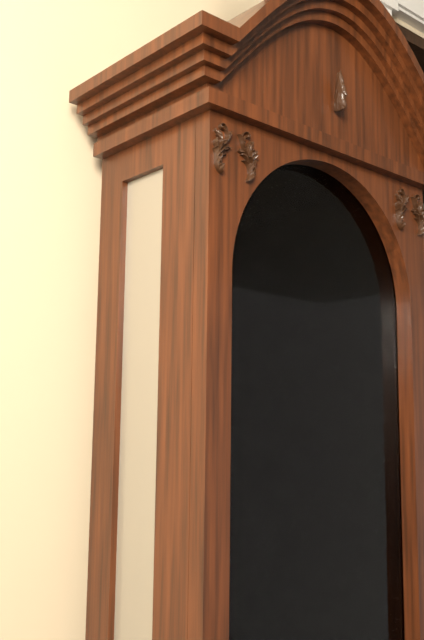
4:35
